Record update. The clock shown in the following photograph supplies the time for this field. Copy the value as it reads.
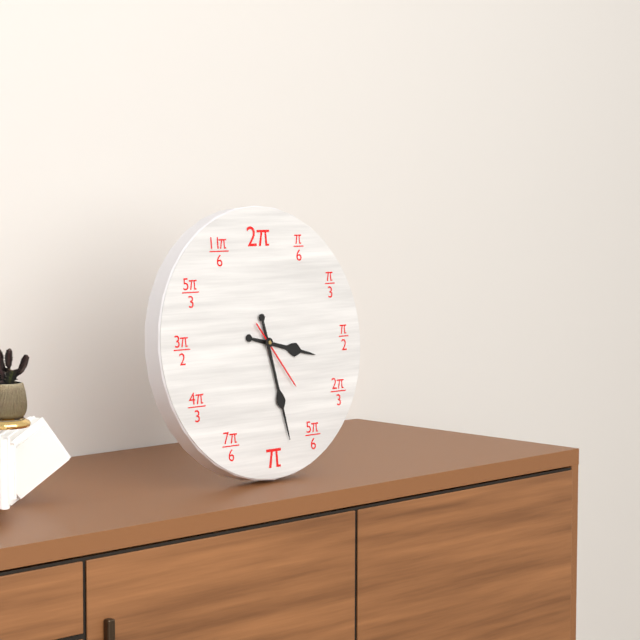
3:28:24
